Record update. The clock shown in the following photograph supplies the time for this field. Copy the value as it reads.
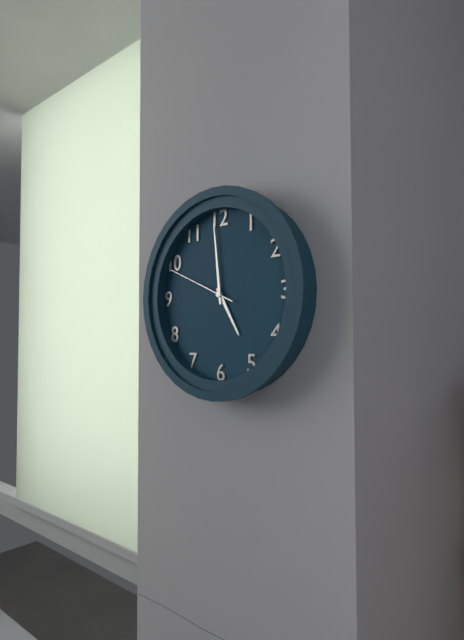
4:59:49
